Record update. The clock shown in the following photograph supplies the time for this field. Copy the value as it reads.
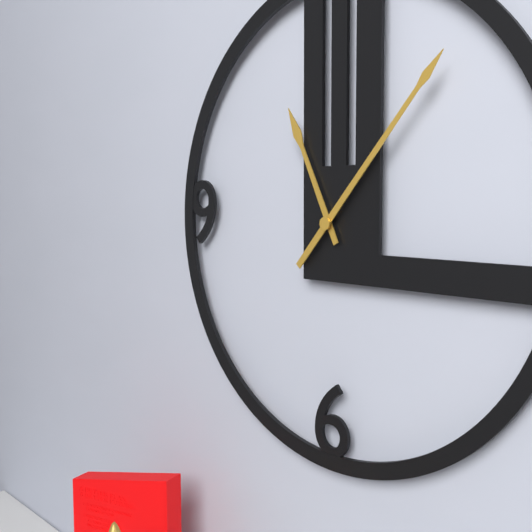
11:07
